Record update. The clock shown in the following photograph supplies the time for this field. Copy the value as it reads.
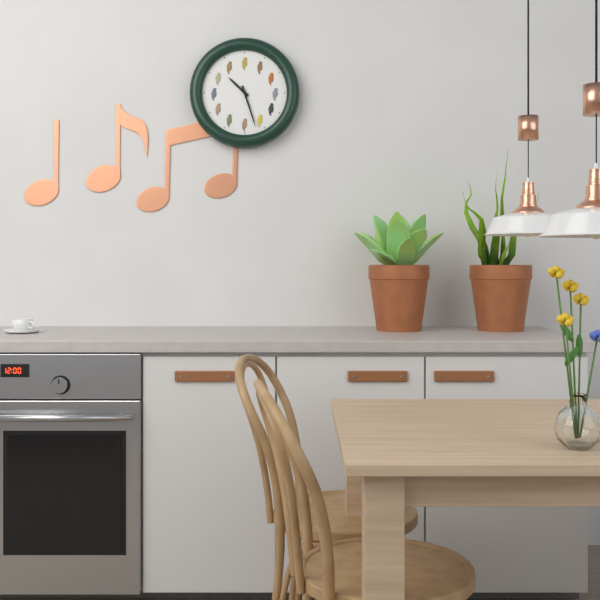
10:27
